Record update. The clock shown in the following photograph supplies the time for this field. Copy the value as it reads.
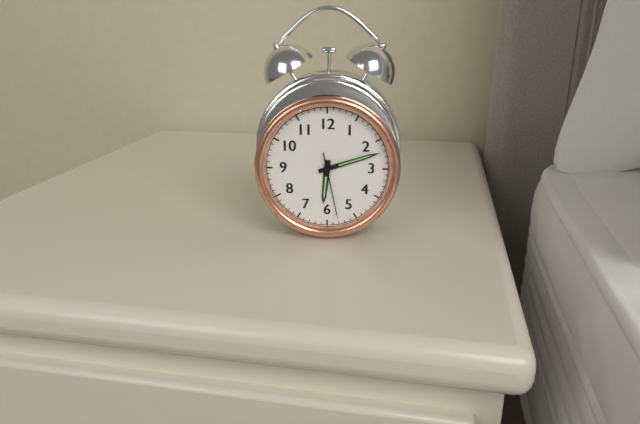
6:12:28
